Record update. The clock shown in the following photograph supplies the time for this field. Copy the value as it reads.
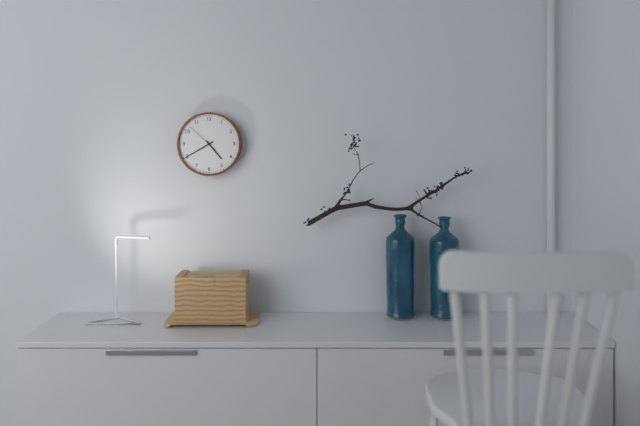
4:40
